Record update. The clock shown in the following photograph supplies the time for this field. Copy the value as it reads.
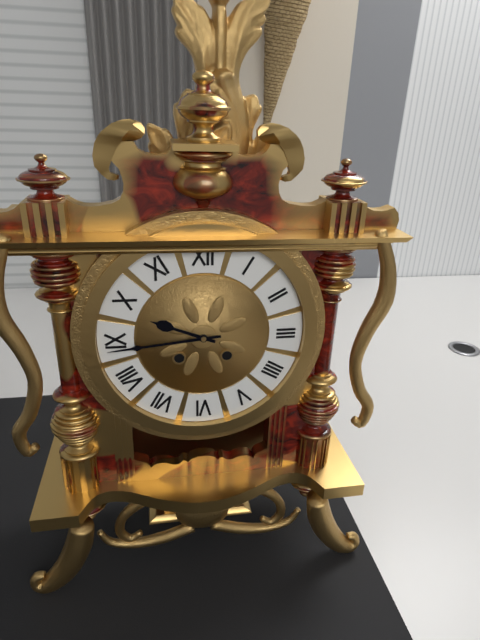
9:44
